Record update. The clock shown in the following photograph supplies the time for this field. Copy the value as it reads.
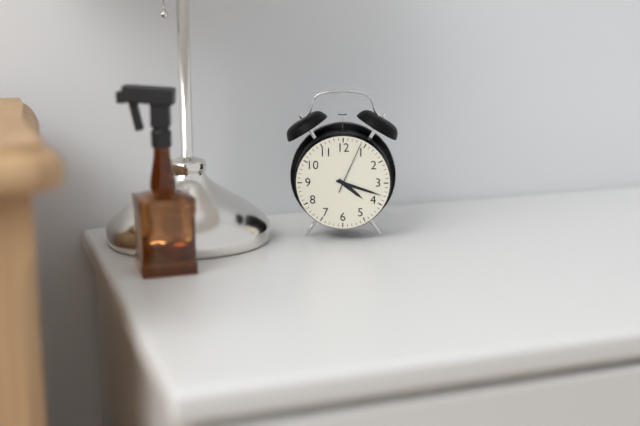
4:18:04
